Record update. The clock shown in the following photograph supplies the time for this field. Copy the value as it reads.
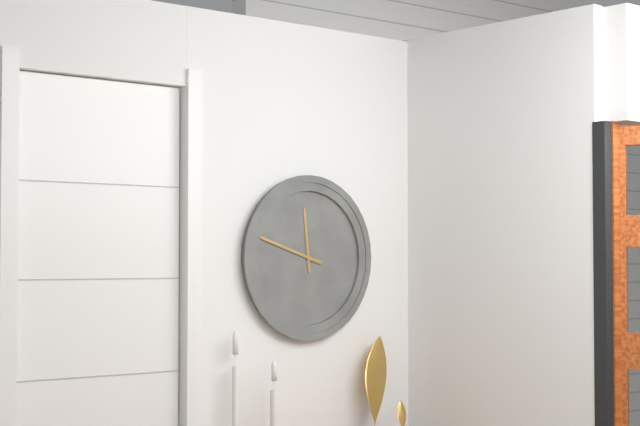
11:48
